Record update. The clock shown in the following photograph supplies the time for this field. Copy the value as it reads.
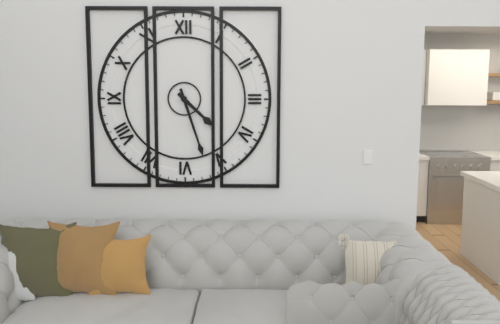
4:27
